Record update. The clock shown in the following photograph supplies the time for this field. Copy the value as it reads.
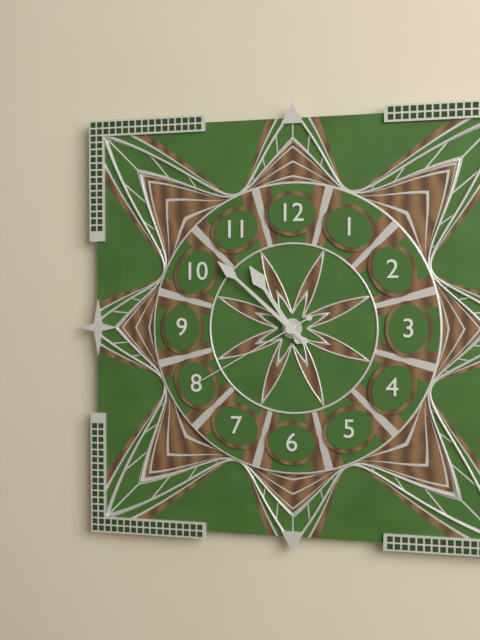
10:52:40
